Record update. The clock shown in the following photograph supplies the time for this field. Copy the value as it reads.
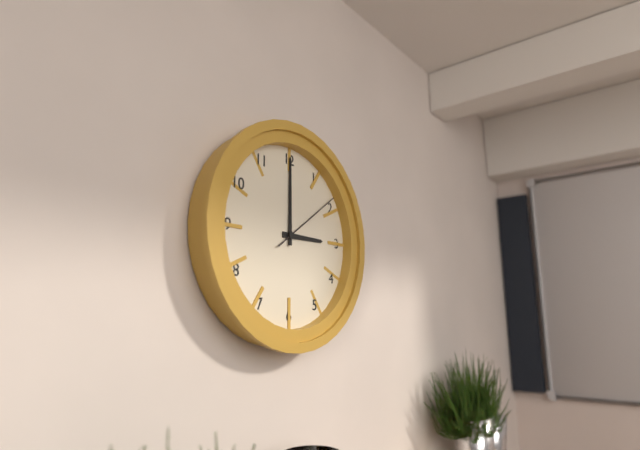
3:00:09
